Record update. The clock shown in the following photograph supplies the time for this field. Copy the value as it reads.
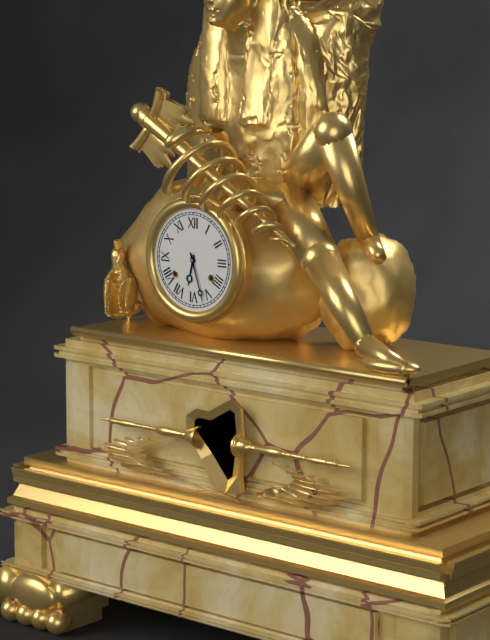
6:27
